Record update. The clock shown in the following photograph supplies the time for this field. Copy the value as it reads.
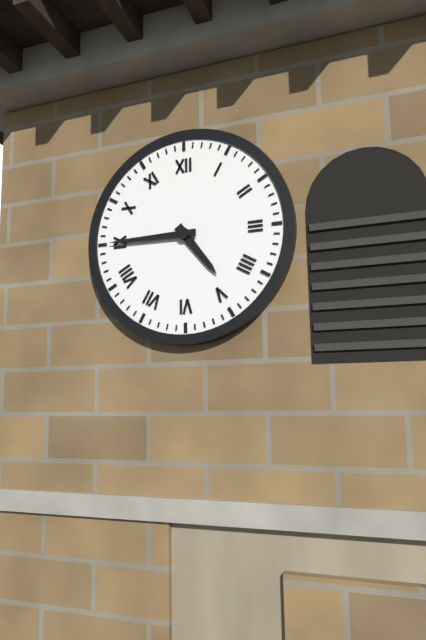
4:45
